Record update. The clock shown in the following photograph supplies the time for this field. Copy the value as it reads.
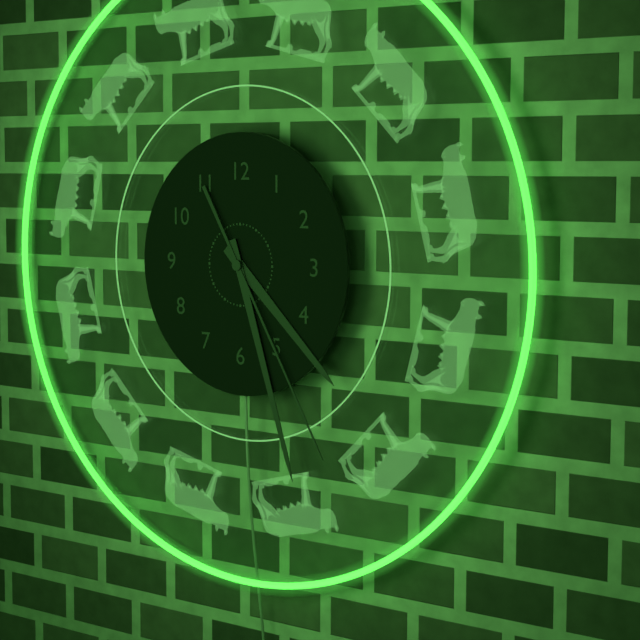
4:27:25
